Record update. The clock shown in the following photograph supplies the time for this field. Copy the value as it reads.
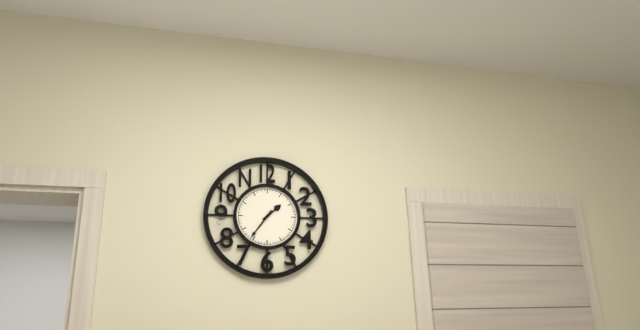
1:36
